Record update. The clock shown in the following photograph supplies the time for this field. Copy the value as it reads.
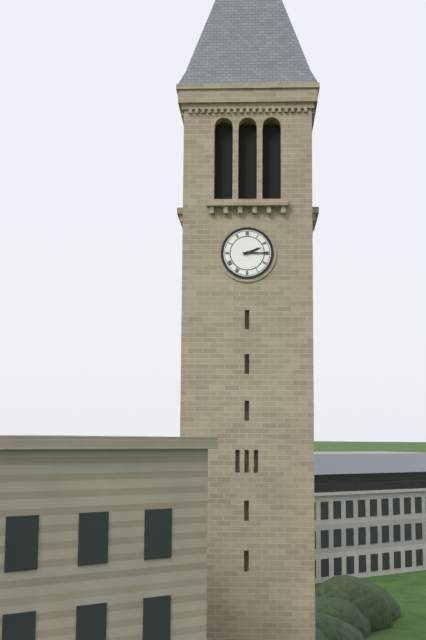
2:15
